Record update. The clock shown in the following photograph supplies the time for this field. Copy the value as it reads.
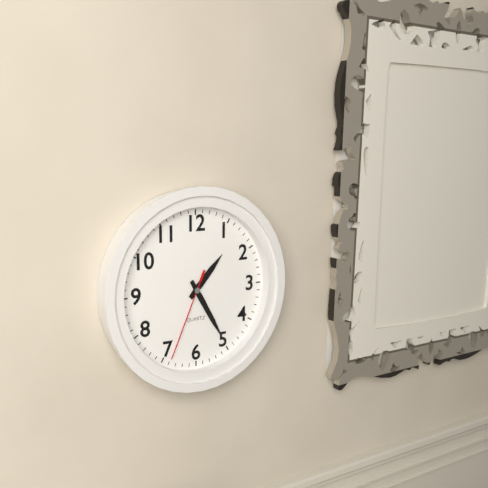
1:25:34
